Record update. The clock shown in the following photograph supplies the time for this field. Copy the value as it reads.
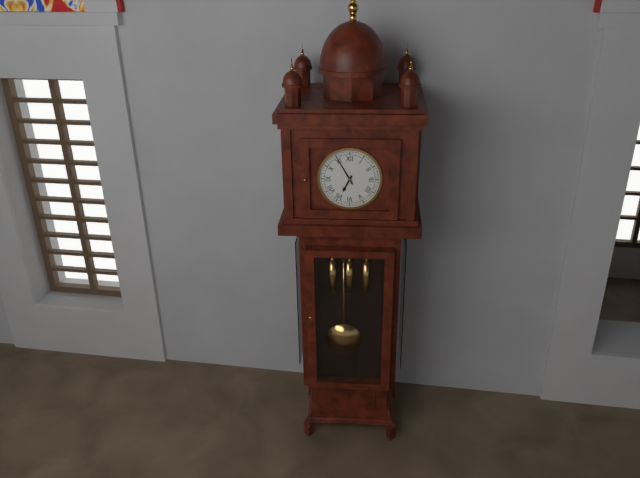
6:55
